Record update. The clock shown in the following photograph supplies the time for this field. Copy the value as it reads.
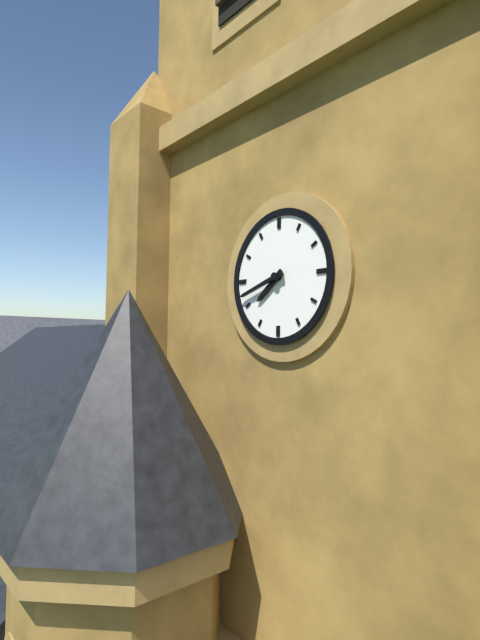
7:42
